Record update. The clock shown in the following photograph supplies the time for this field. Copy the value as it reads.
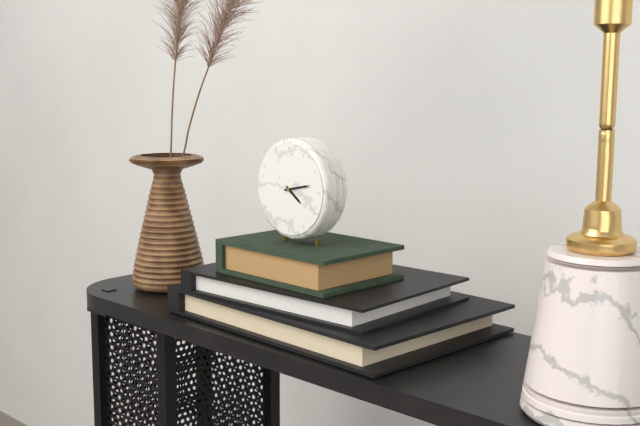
4:13
